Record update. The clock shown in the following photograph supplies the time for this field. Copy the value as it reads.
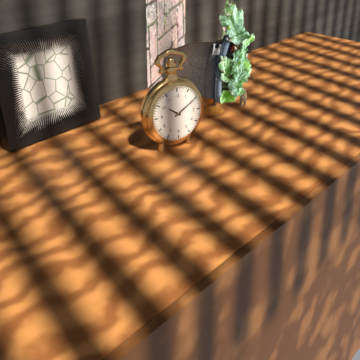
10:10
